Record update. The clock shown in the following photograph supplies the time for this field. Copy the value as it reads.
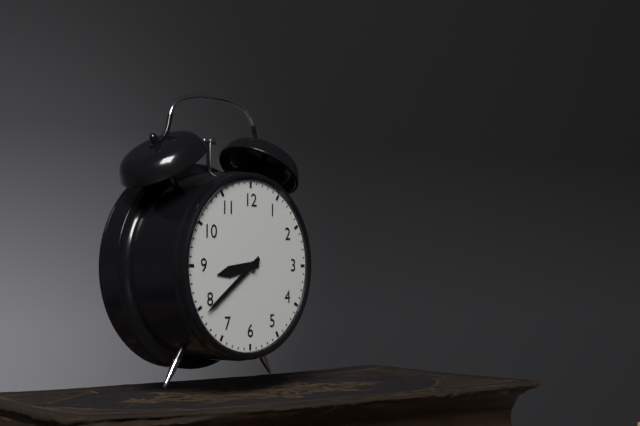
8:39
